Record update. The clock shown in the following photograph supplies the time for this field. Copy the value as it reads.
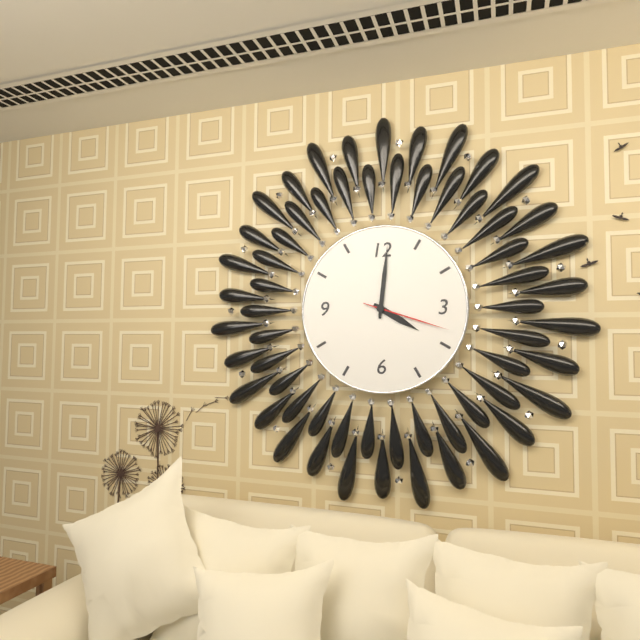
4:01:18
